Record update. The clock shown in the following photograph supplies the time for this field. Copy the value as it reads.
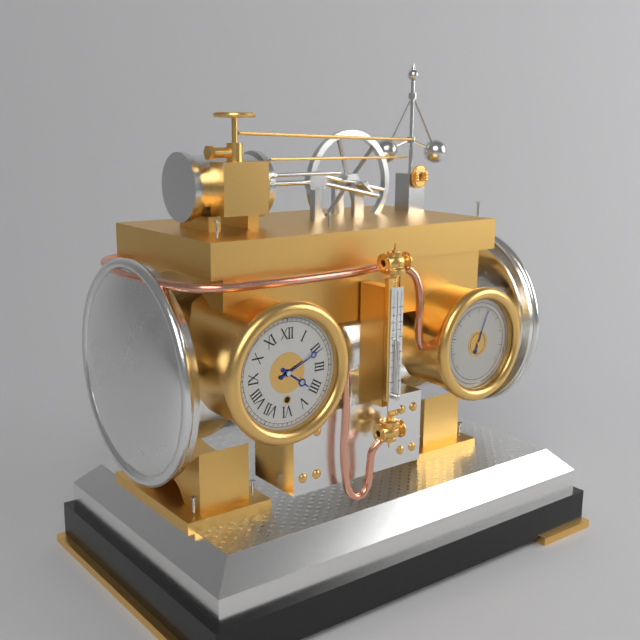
4:11
